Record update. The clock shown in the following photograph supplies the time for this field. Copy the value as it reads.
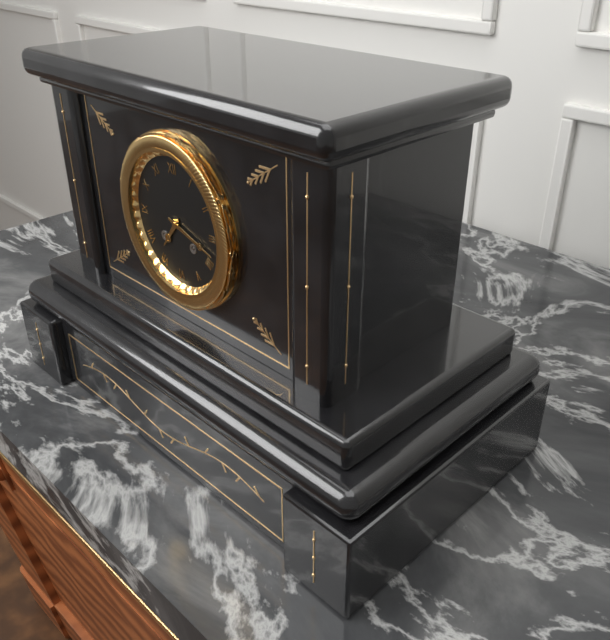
7:18
